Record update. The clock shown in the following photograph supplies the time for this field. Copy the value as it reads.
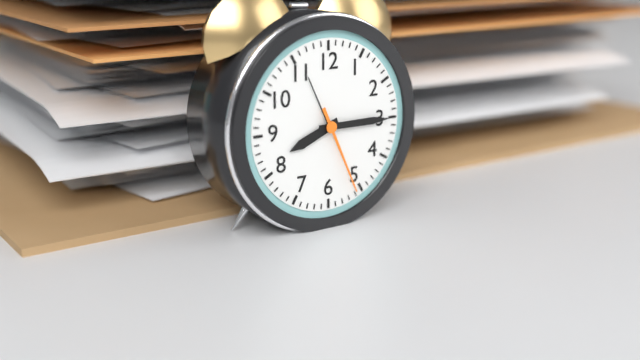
8:15:26
